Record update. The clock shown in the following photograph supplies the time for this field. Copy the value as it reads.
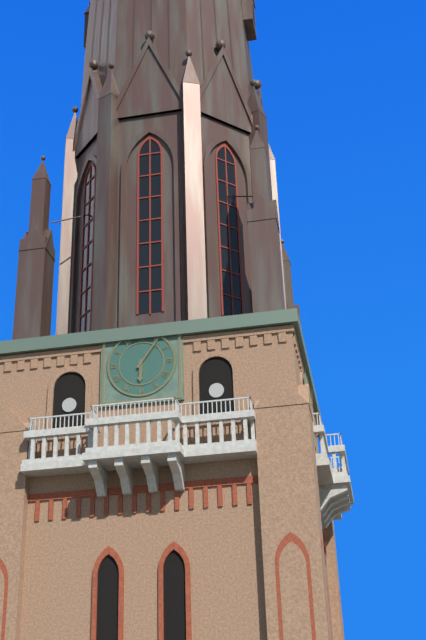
6:06
